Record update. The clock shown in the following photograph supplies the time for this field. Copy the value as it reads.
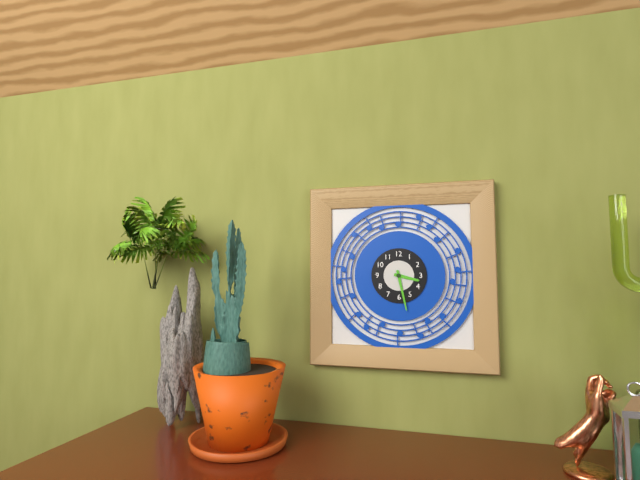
3:28
